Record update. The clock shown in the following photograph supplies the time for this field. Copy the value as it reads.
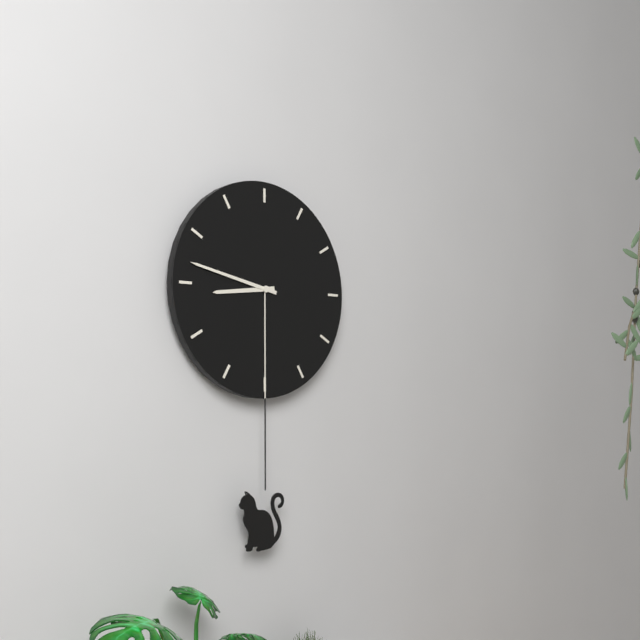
8:47
